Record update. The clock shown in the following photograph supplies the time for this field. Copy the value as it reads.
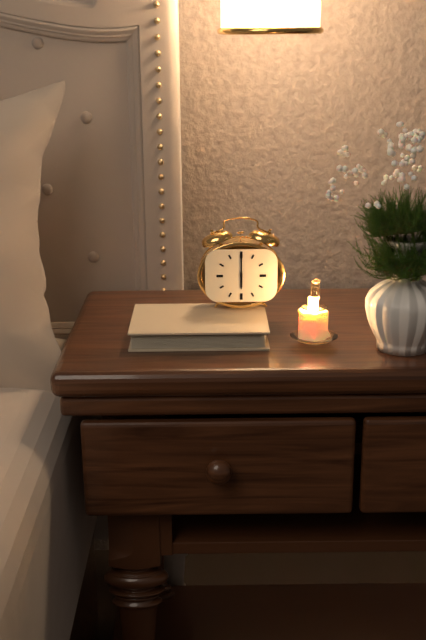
6:00
